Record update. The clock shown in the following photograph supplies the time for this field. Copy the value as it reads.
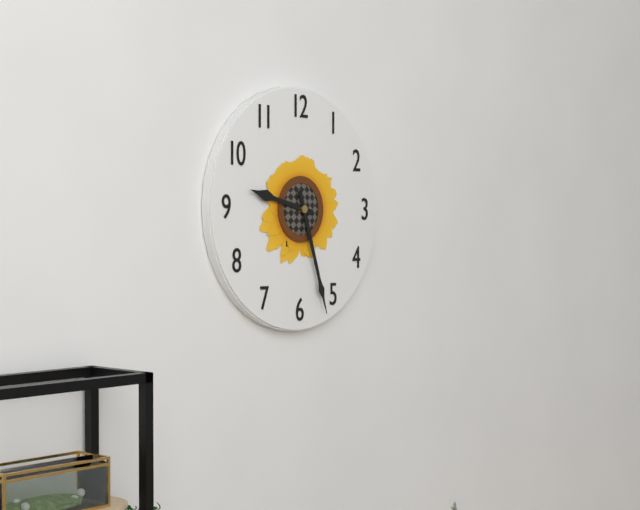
9:27
